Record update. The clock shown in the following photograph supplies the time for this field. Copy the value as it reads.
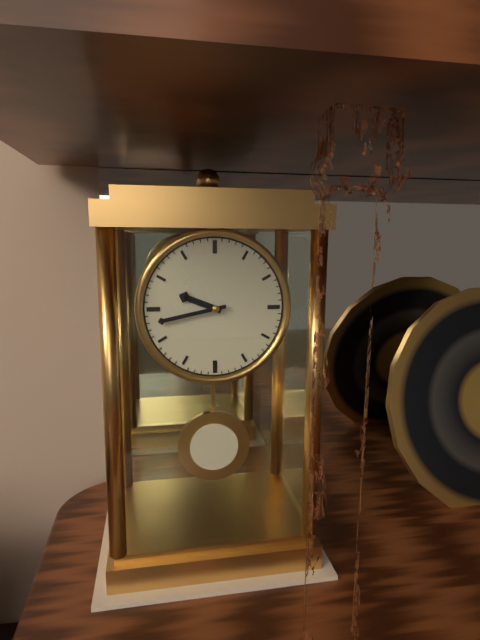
9:43
